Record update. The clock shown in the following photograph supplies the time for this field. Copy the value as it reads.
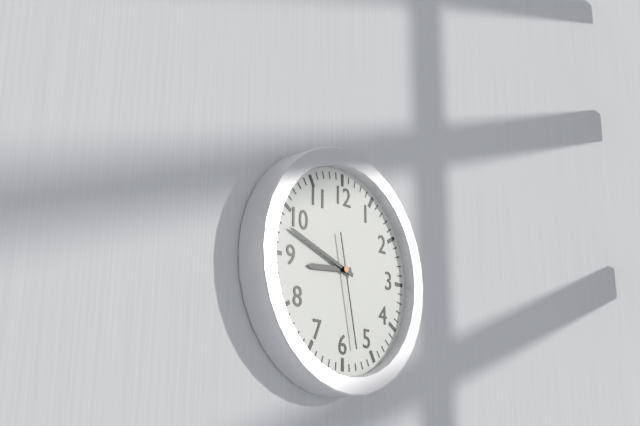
8:48:28
